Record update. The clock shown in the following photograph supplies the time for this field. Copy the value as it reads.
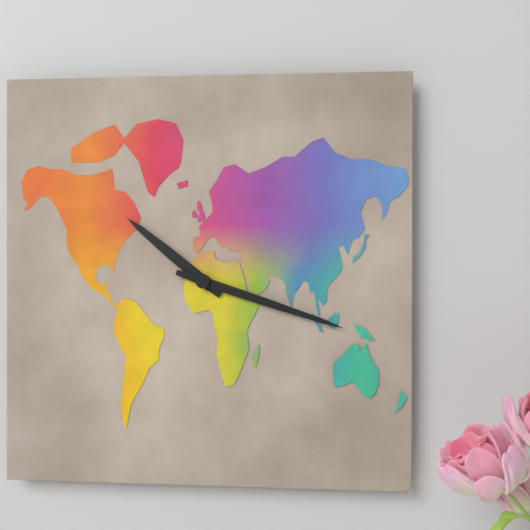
10:18
